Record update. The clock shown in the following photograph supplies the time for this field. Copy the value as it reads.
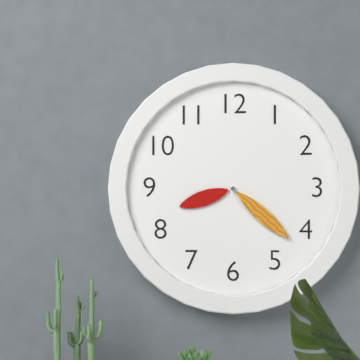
8:22
